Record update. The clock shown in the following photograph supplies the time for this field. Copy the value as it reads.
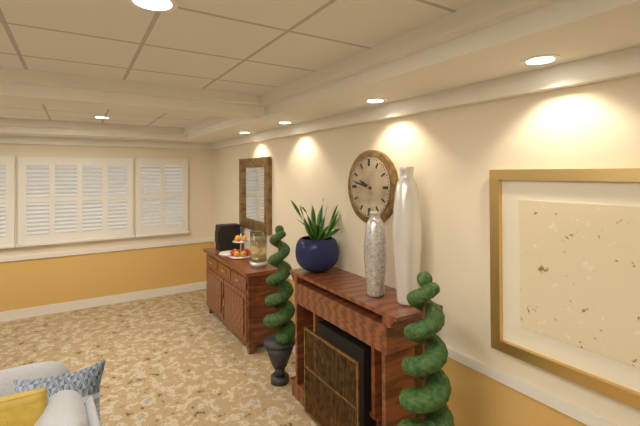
9:47
